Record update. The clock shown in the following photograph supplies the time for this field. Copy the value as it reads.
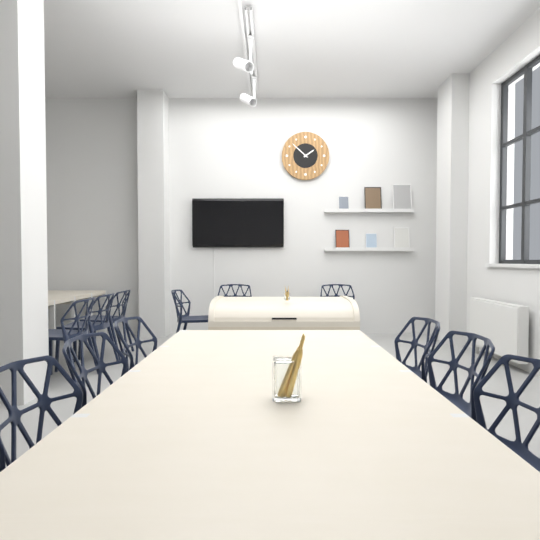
1:52
